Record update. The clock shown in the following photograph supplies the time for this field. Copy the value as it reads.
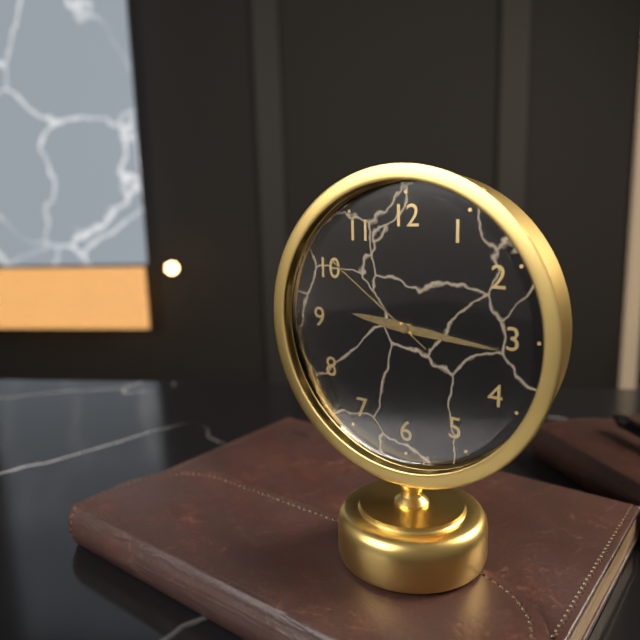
9:16:51
